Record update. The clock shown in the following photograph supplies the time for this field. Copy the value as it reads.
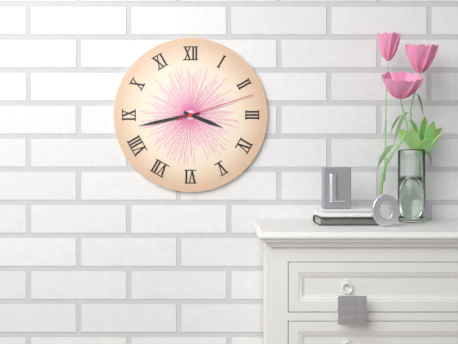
3:43:12
